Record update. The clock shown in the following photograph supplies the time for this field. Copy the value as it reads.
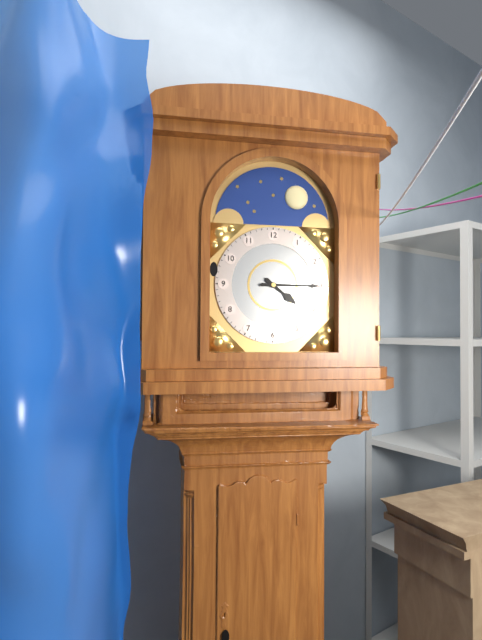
4:15
